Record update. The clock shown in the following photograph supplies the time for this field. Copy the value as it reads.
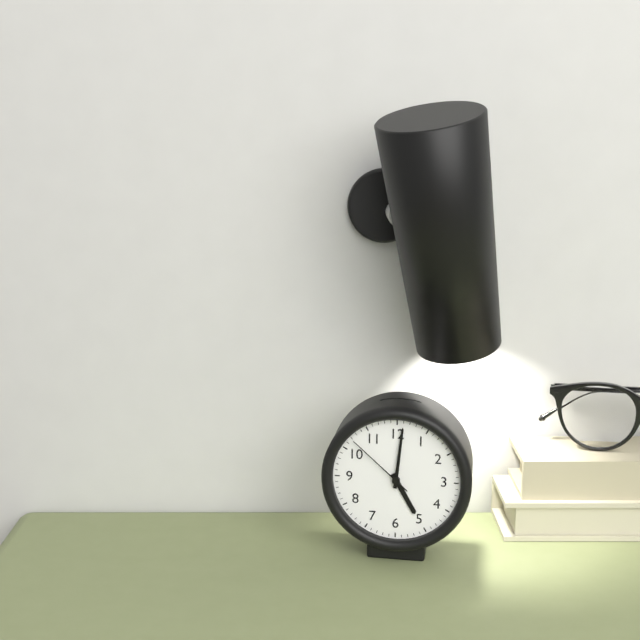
5:01:52
